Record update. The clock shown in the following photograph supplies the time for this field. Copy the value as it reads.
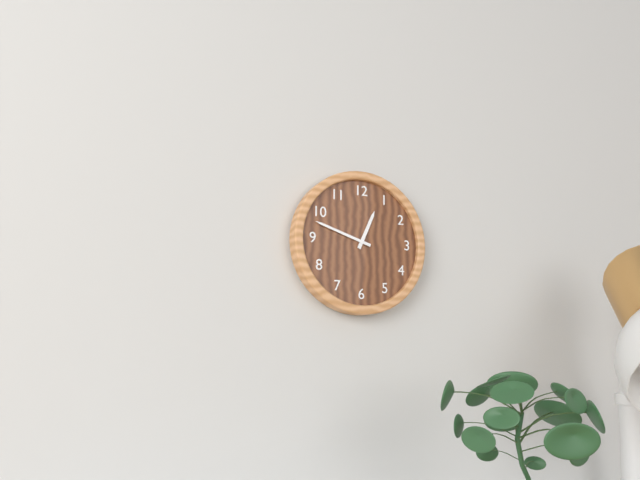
12:48
